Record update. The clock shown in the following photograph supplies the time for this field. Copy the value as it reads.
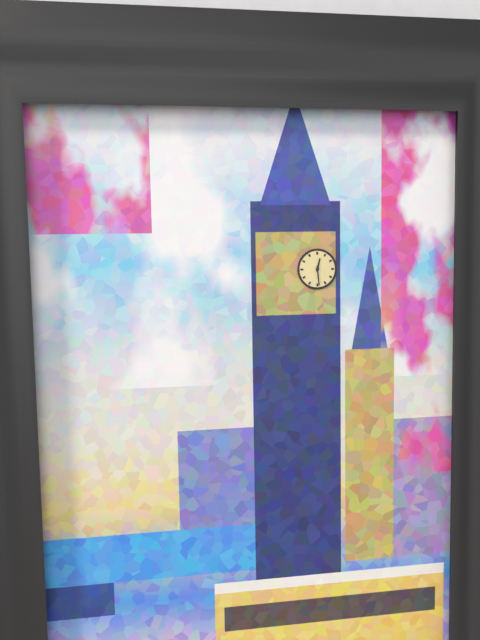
12:29
